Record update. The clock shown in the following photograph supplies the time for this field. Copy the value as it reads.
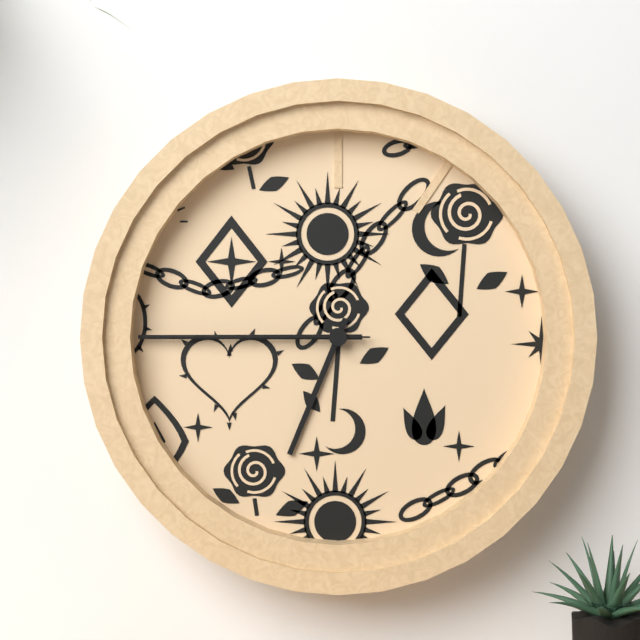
6:45:45
